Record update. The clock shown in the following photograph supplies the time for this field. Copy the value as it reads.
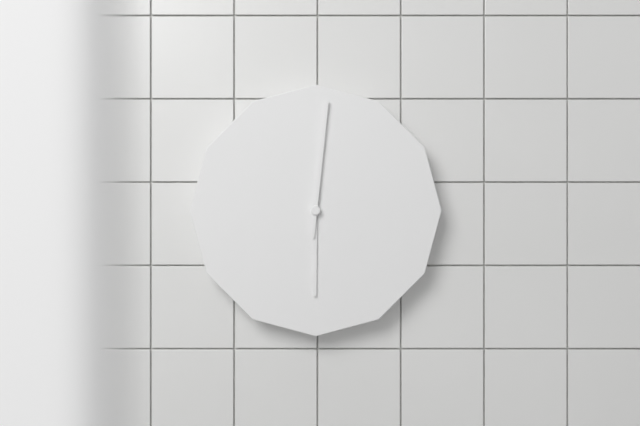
6:01
